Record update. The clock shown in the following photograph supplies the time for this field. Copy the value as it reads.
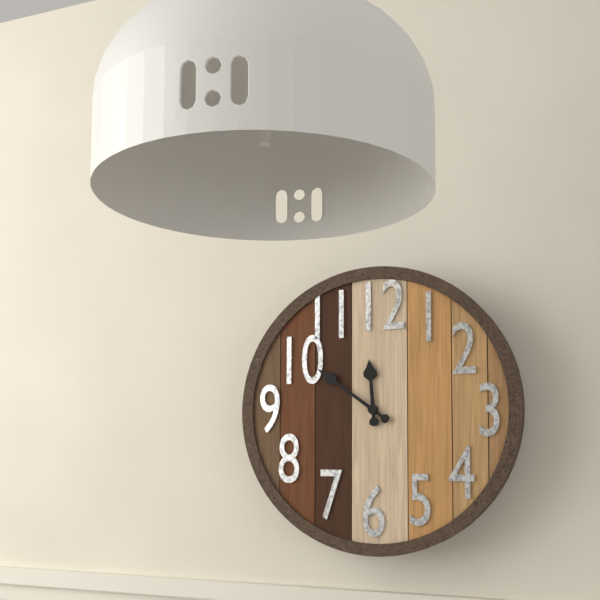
11:51
